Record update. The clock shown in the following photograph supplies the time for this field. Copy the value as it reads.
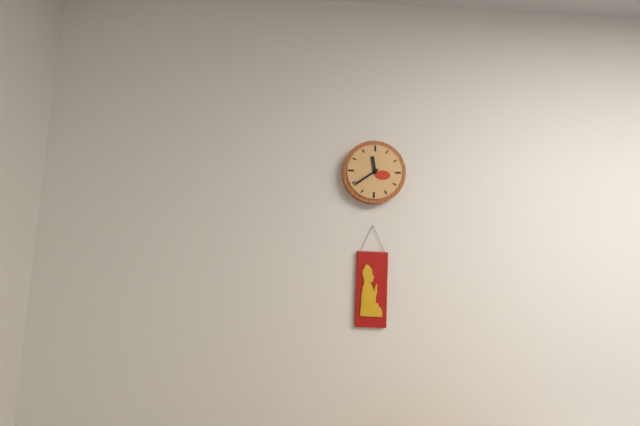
11:39
